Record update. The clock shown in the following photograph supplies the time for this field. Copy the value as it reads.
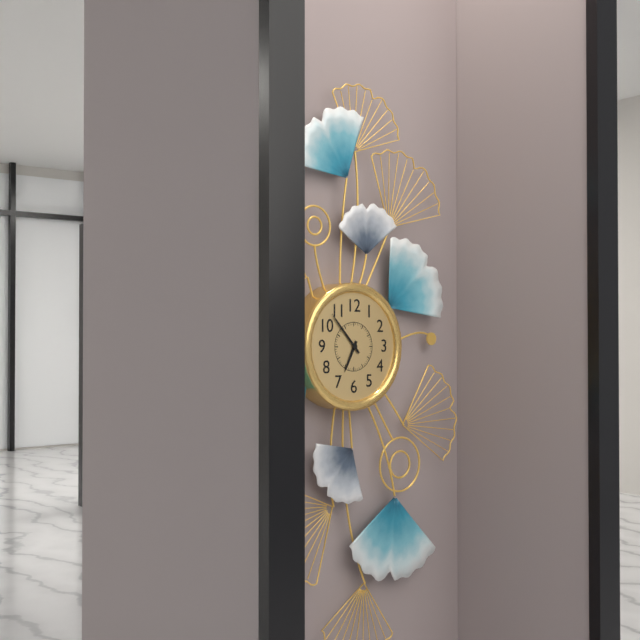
6:53
